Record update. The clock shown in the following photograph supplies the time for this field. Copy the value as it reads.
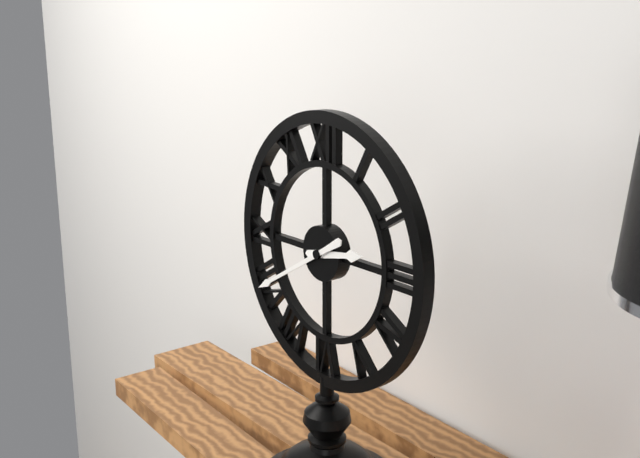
2:40
